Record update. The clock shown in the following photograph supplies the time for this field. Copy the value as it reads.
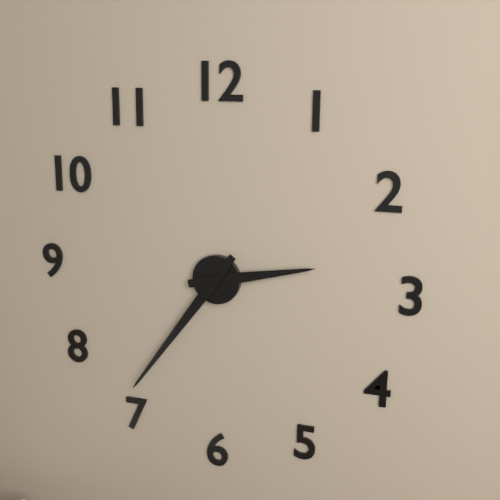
2:36
